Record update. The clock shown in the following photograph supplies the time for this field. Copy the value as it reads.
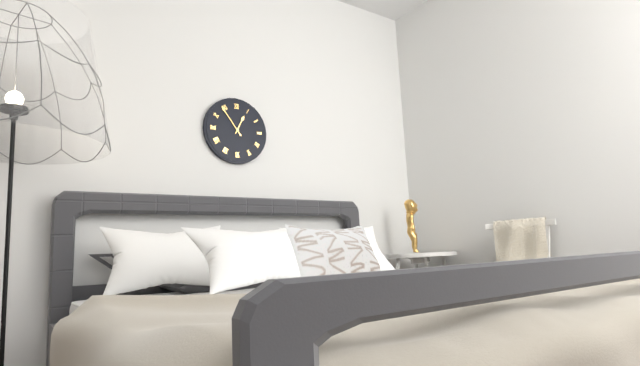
12:54
